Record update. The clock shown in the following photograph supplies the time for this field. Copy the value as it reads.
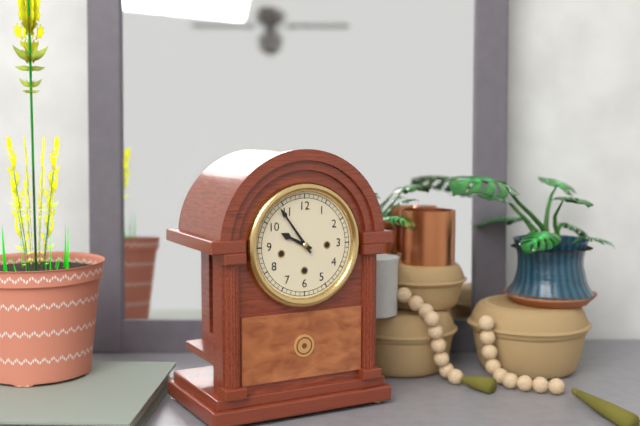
9:54
